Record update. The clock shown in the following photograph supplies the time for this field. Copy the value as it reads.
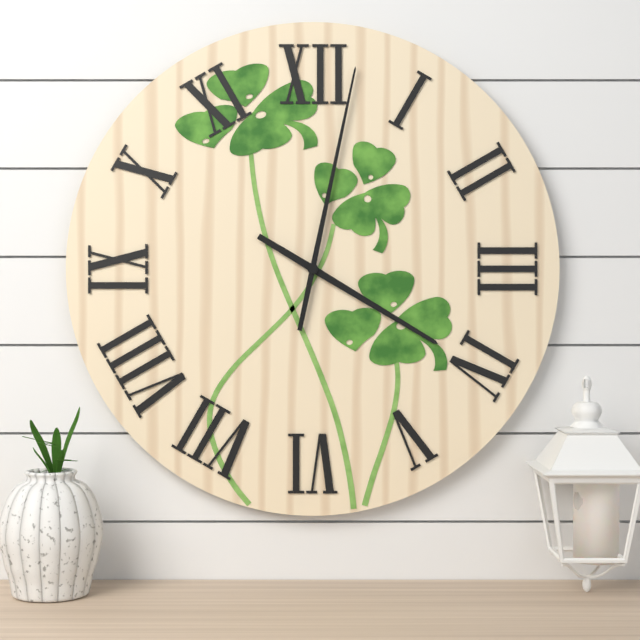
4:02
